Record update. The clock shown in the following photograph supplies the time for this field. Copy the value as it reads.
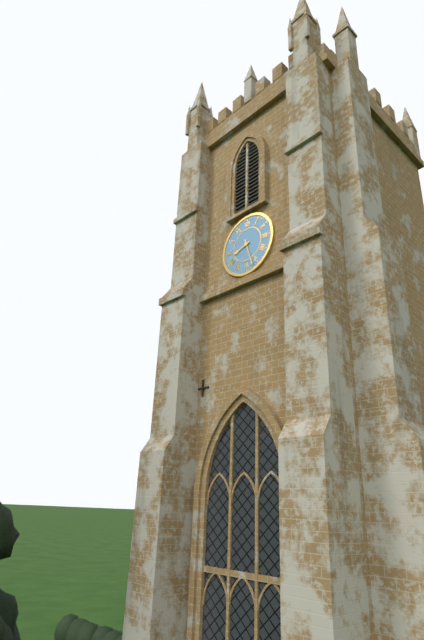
8:27
